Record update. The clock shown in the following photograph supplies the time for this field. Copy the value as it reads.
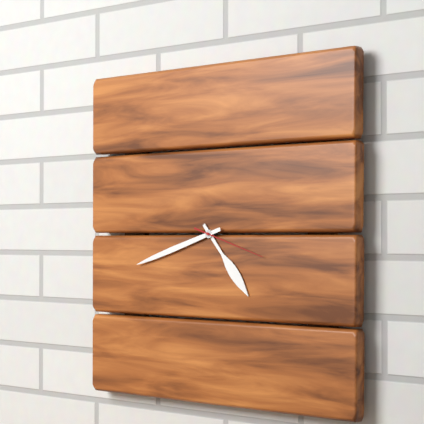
4:42:18
